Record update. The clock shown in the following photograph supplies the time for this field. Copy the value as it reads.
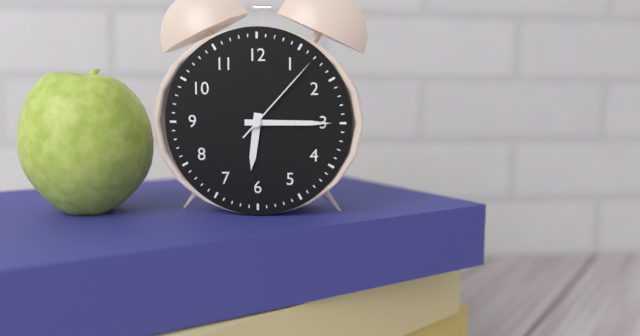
6:15:07
